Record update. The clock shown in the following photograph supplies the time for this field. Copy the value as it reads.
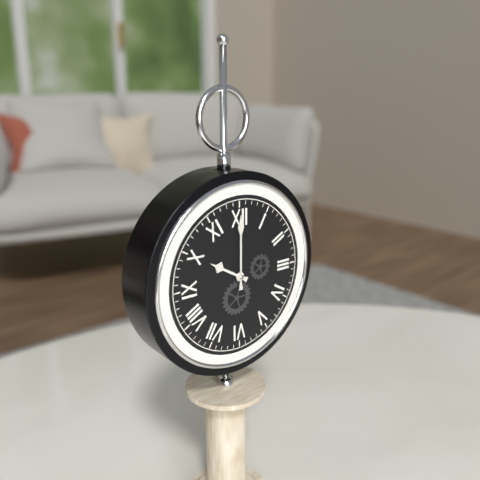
10:00
